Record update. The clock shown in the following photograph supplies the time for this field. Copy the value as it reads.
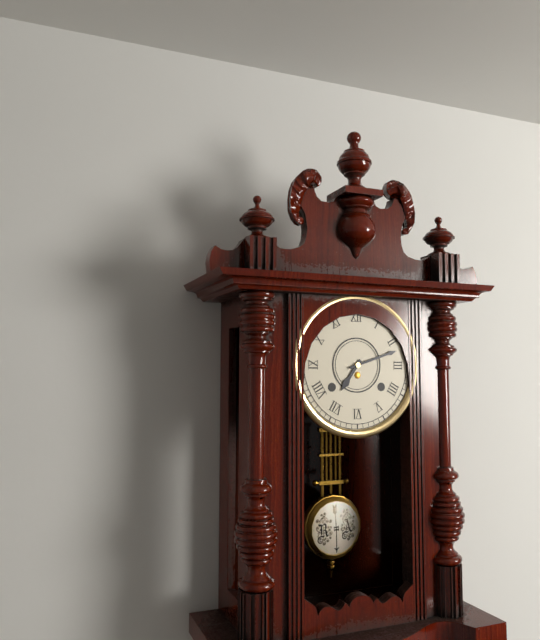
7:12
